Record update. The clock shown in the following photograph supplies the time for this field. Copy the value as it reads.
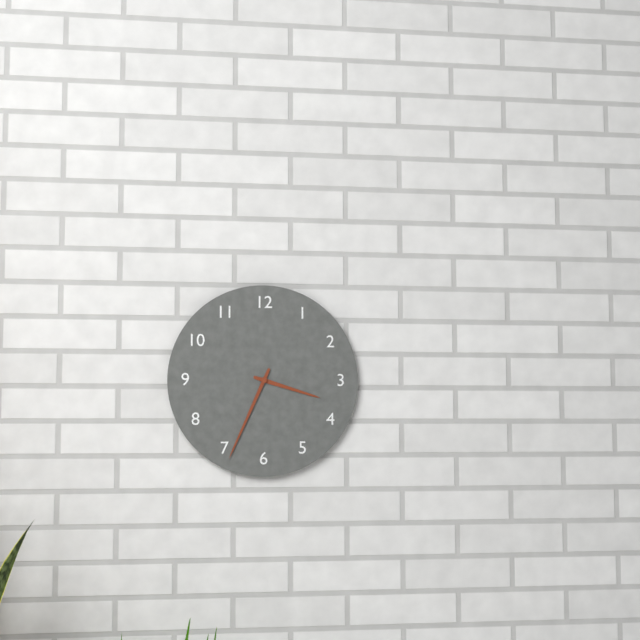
3:34
